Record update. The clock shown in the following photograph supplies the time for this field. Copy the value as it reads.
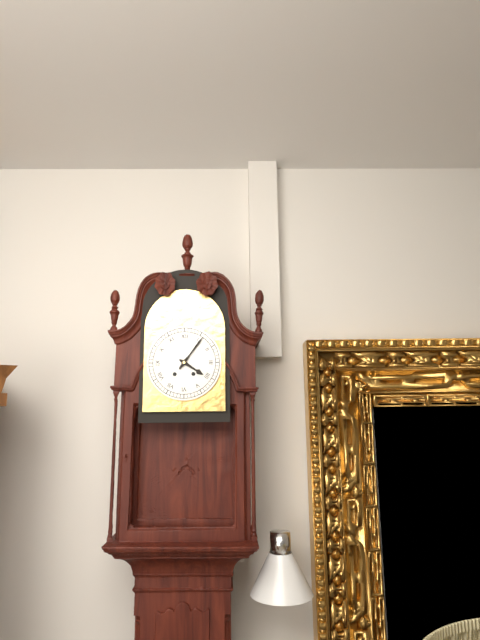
4:06
